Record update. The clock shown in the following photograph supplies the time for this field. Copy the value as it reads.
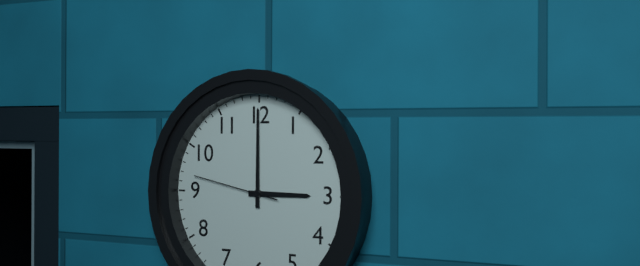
3:00:47
